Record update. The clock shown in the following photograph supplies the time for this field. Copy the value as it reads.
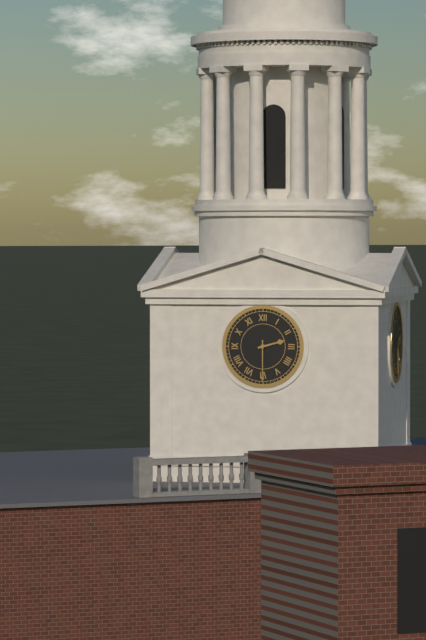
2:30
